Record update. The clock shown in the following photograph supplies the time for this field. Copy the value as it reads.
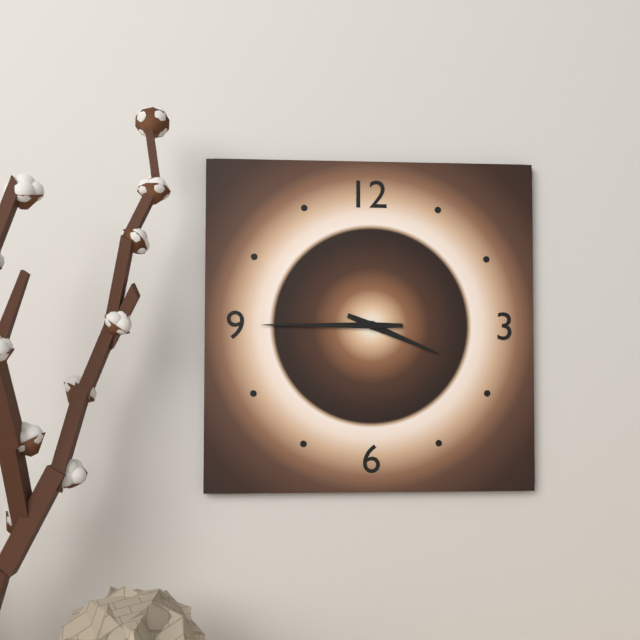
3:45
